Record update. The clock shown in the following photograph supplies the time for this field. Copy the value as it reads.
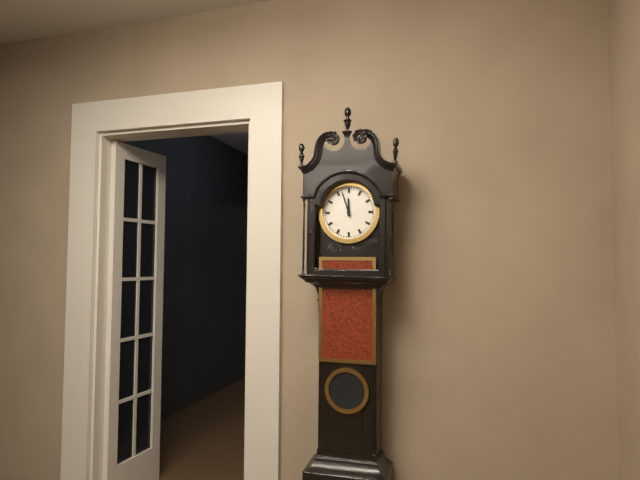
11:57
